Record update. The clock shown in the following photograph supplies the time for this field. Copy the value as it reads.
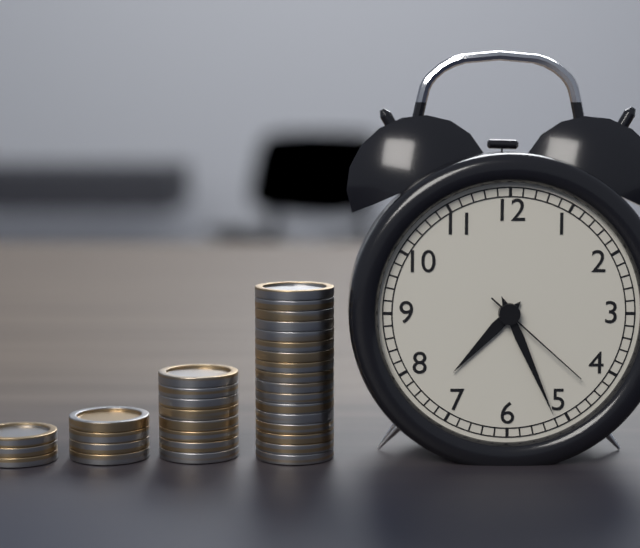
7:26:22
